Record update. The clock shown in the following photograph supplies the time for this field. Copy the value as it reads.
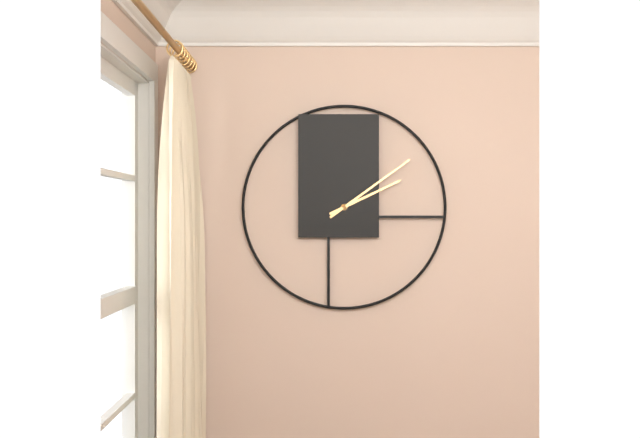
2:09
